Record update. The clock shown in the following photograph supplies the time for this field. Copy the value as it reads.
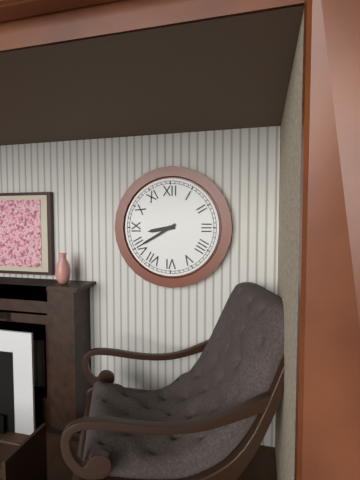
8:40
